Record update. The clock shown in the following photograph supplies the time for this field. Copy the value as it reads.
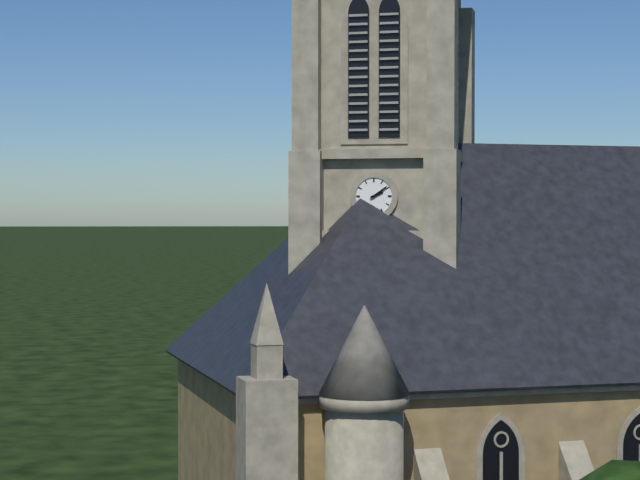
2:09
